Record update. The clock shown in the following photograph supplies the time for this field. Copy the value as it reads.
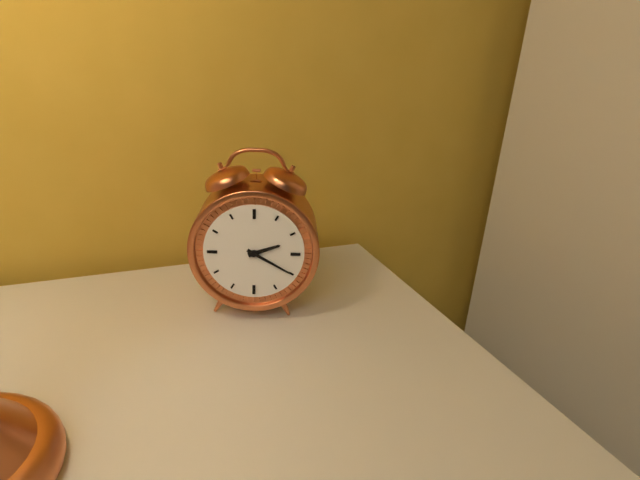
2:20
